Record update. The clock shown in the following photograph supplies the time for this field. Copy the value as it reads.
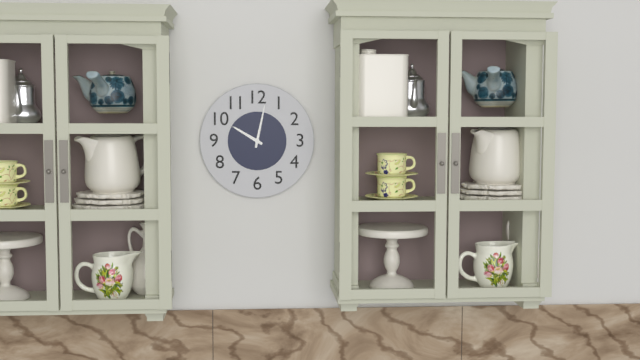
10:02
